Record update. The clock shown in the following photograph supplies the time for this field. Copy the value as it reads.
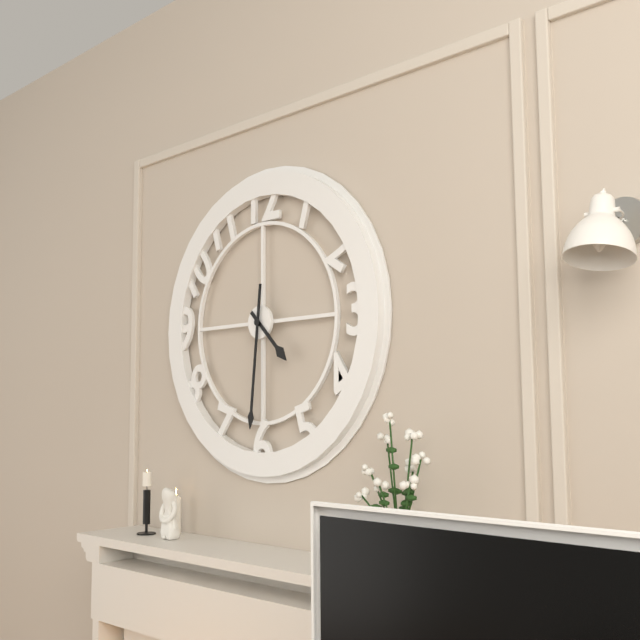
4:31
